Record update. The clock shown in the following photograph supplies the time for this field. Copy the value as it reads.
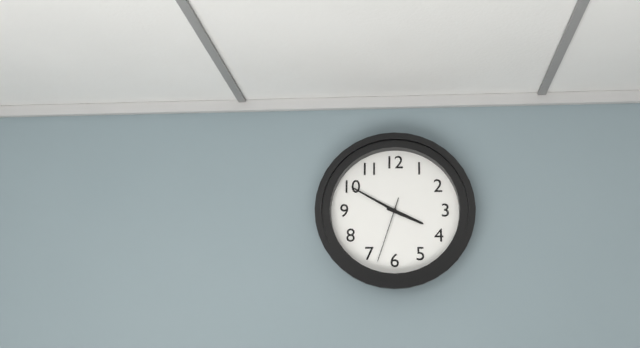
3:50:33
